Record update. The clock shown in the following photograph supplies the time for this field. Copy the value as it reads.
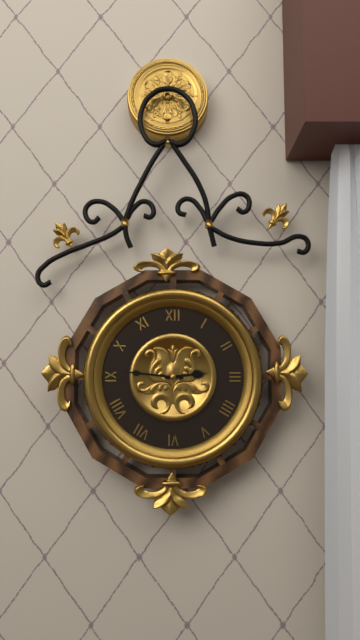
2:46
